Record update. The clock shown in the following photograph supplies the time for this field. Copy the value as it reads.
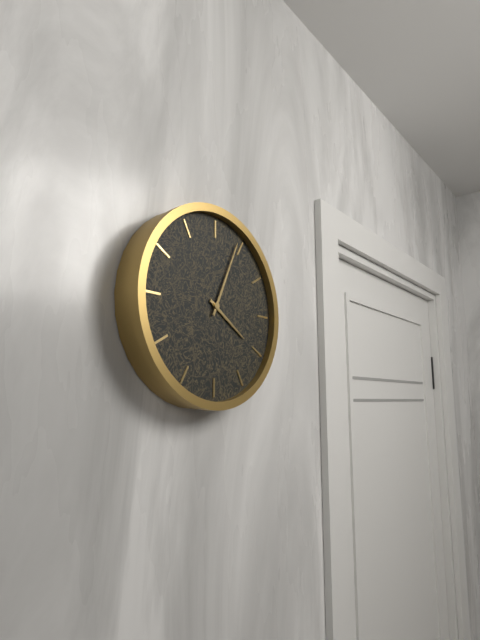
4:04
